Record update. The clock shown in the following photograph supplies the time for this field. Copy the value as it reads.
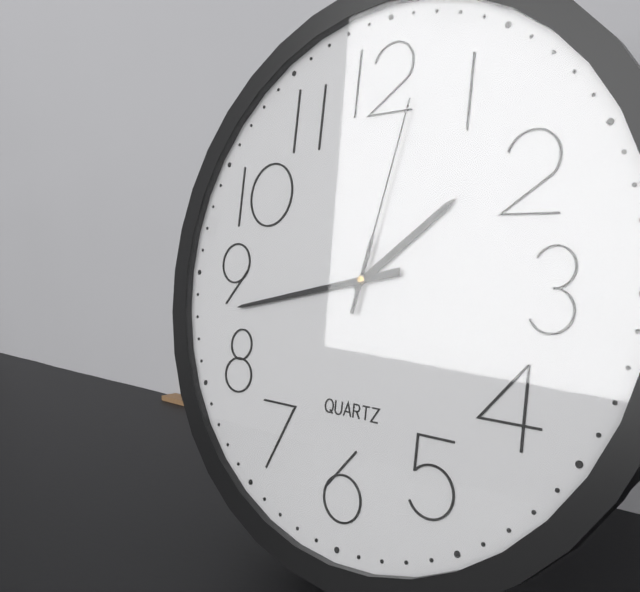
1:43:02
